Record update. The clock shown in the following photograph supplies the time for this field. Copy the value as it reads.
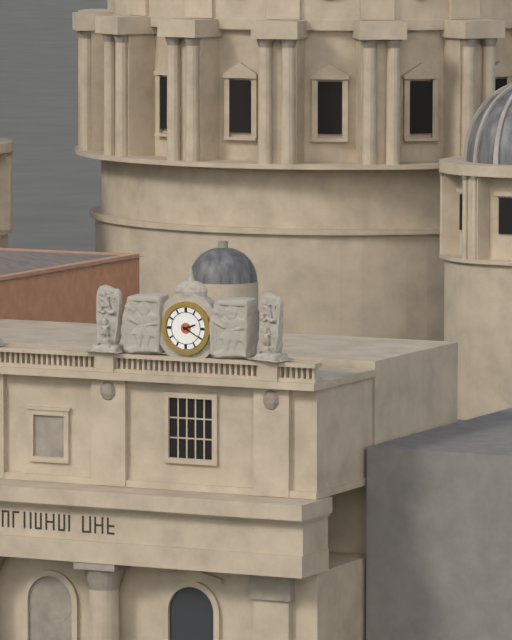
2:20
